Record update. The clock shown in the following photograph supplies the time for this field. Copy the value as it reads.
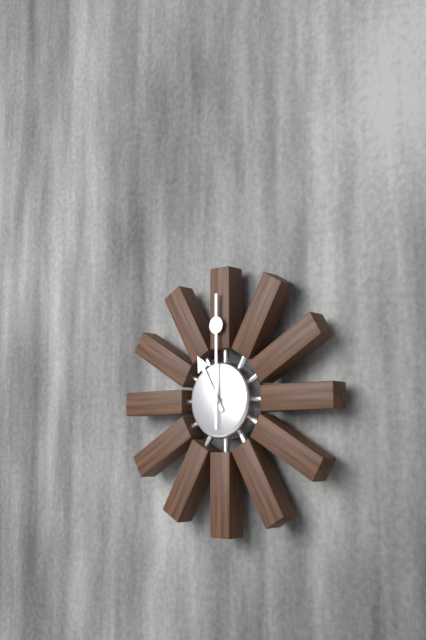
11:00
